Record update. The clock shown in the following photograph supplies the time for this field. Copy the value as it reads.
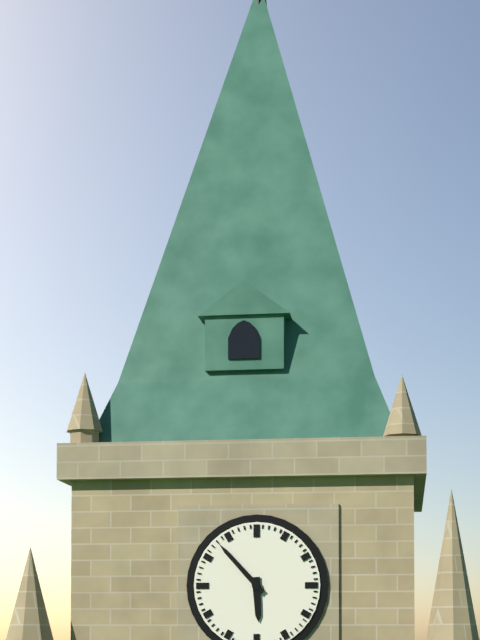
5:53
